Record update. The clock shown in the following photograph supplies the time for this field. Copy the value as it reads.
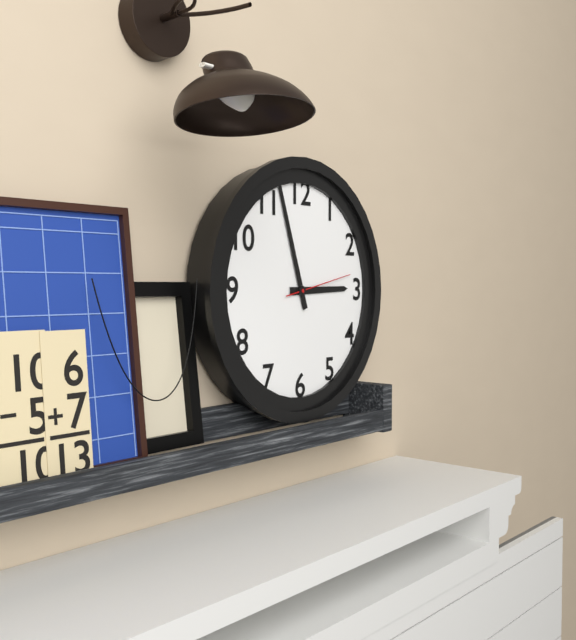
2:57:13
